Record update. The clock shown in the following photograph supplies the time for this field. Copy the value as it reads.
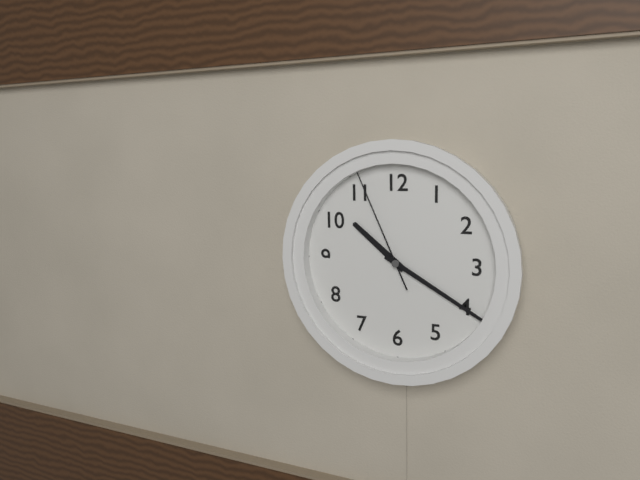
10:20:56
